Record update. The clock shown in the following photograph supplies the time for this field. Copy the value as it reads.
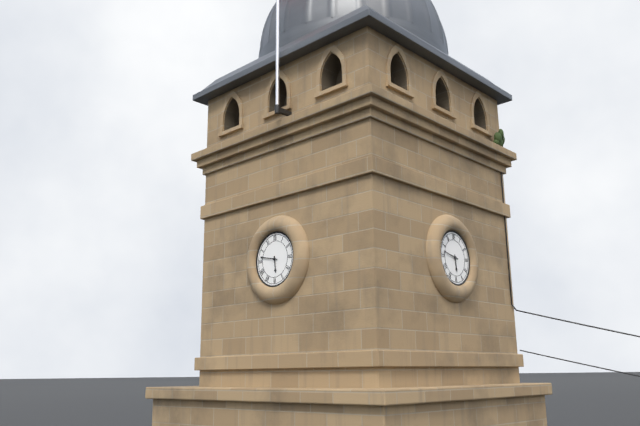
5:47
